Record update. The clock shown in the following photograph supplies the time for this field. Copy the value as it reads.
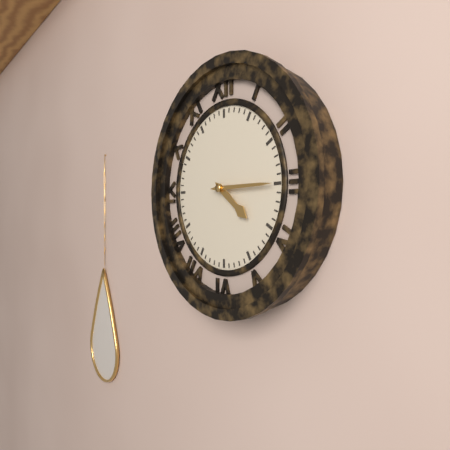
4:15
